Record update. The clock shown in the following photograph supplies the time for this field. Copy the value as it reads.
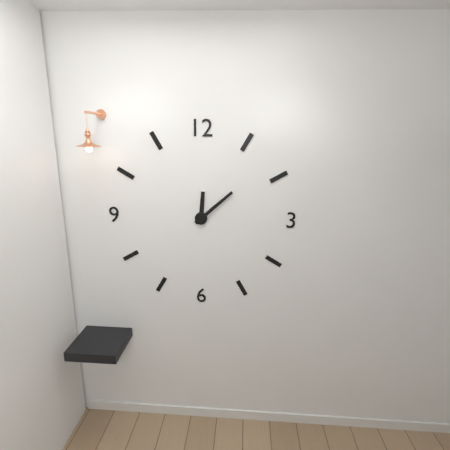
12:08
